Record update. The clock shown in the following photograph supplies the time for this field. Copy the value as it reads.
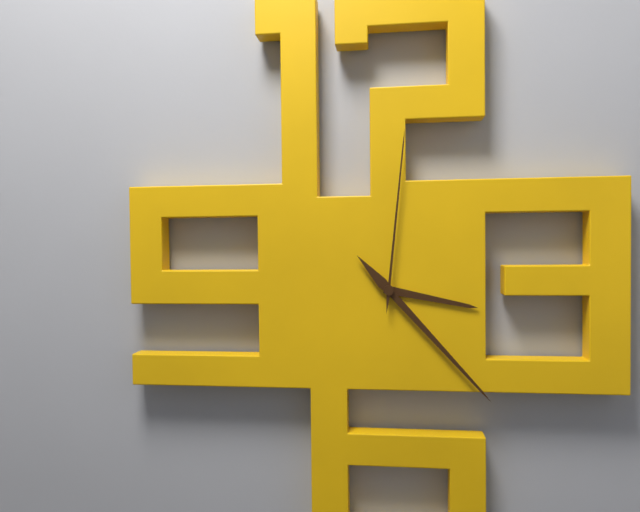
3:23:01
